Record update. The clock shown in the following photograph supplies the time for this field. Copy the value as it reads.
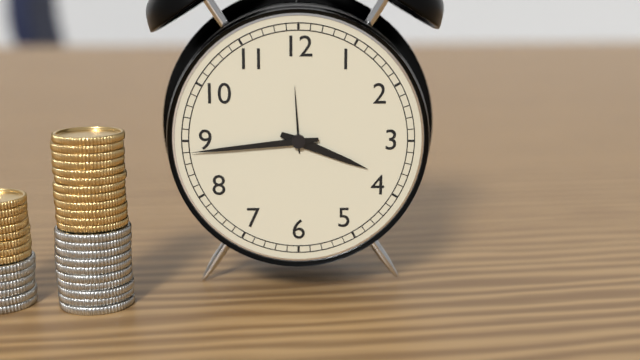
3:44
